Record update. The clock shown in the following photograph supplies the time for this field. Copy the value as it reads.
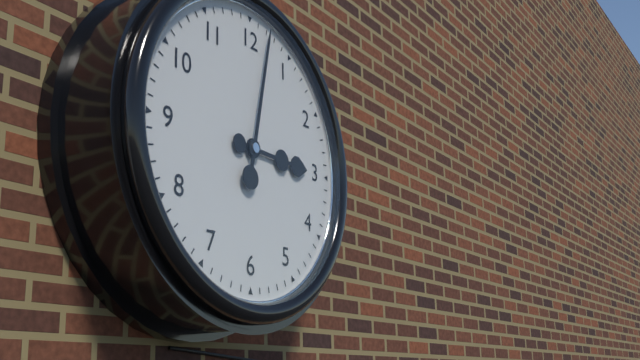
3:02
